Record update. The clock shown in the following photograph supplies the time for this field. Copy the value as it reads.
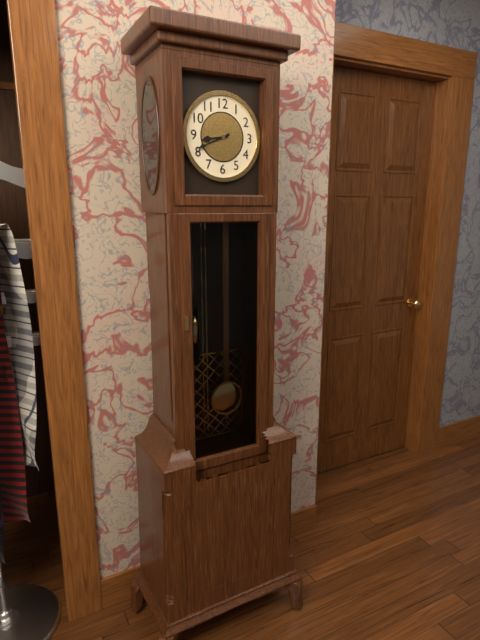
8:41
